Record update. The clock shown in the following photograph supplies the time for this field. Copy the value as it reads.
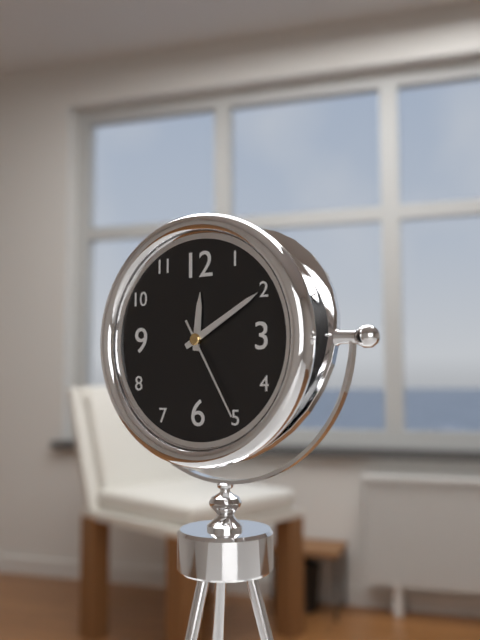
12:10:25
